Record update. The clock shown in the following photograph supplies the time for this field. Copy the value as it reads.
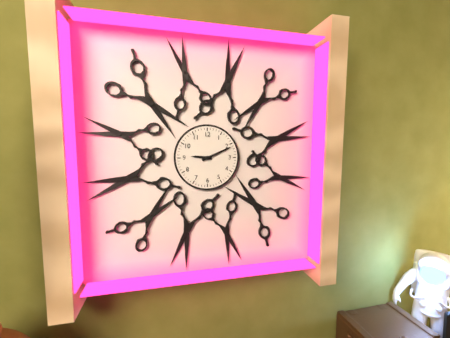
9:11
